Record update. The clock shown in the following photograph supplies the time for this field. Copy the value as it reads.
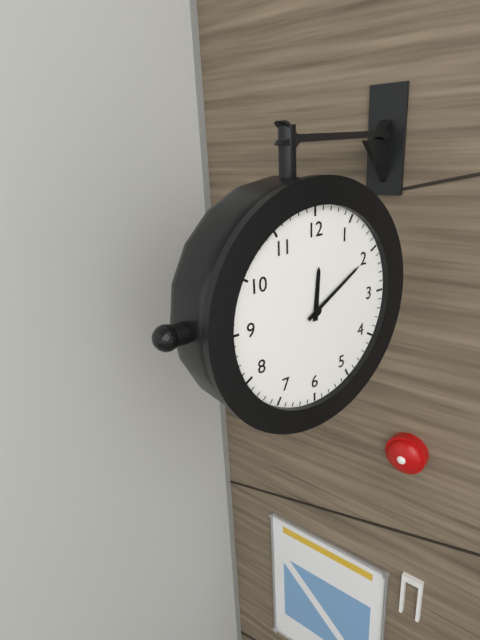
12:10
